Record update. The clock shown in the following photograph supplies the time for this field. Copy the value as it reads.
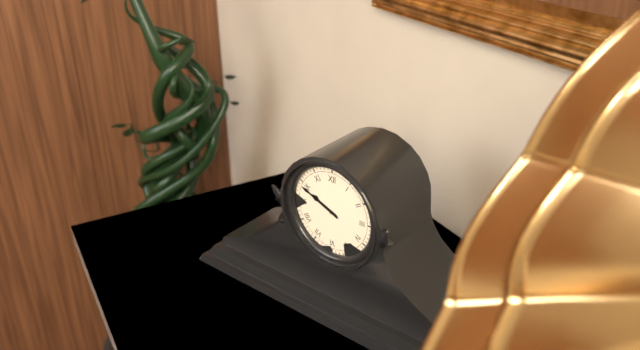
9:49
